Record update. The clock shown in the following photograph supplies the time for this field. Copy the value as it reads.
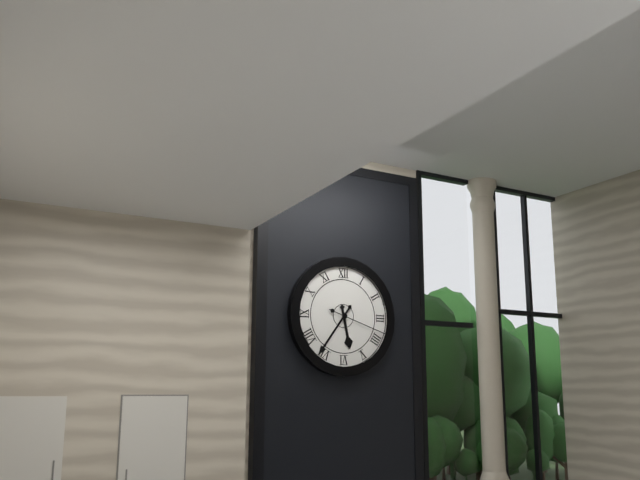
5:36:18
